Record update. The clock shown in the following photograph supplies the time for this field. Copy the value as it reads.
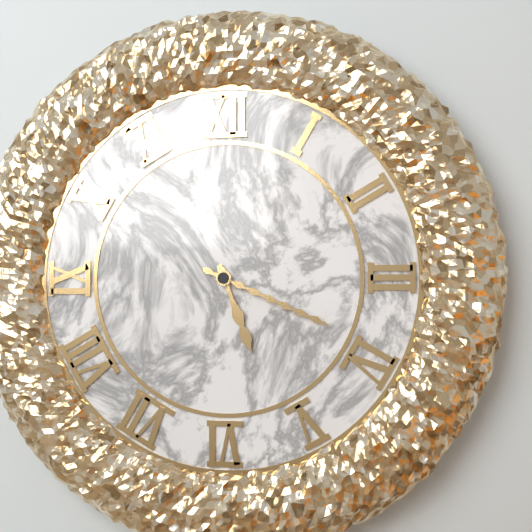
5:19
